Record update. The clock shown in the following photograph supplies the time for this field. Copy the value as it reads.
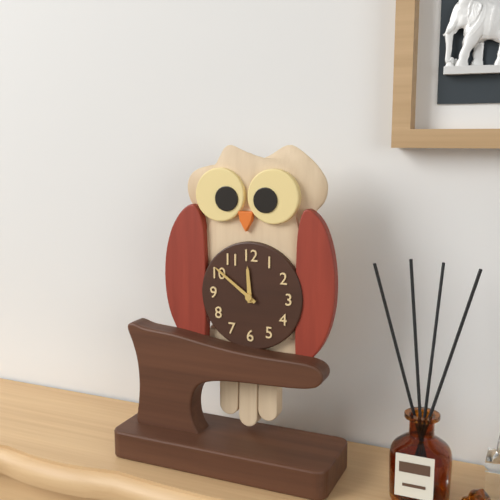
11:51
